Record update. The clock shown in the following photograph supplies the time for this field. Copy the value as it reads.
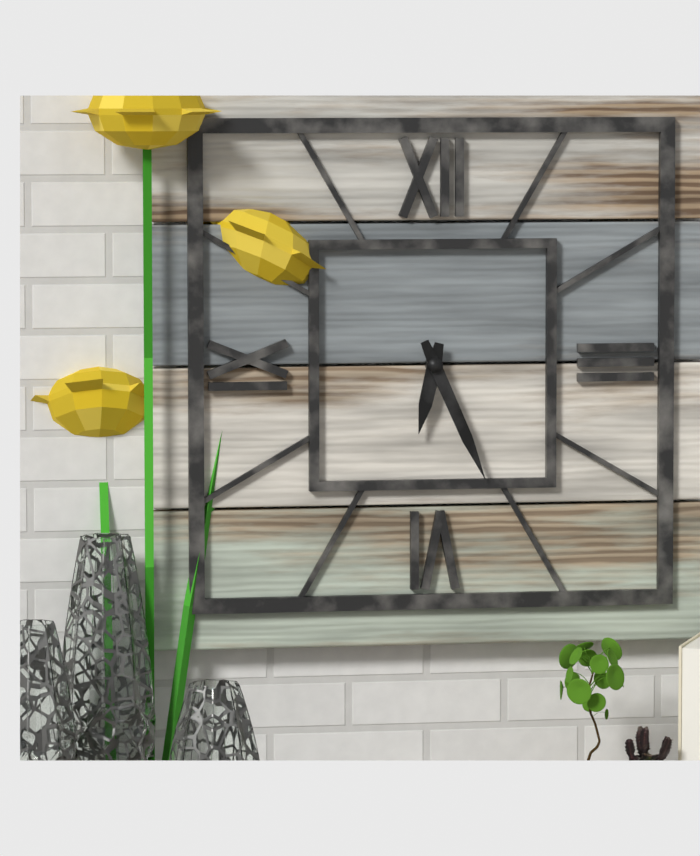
6:26
